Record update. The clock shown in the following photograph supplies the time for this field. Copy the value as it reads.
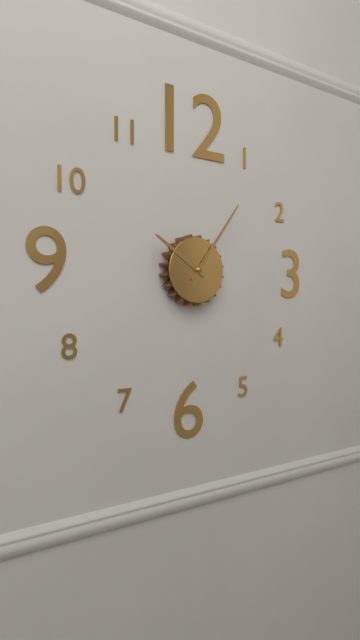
10:06
